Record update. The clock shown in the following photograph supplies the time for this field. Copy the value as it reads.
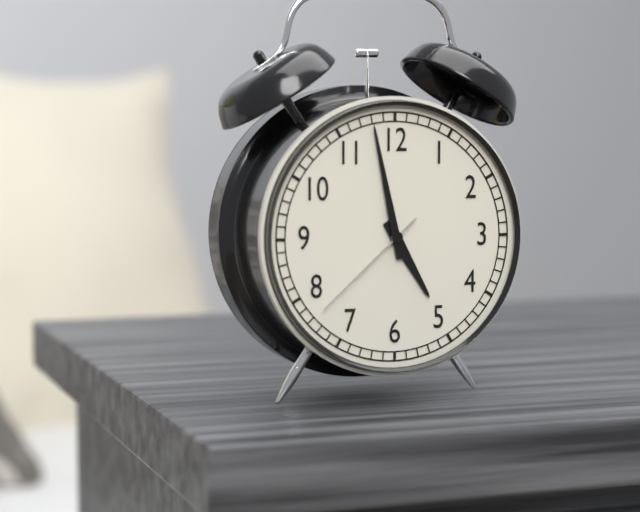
4:58:38
